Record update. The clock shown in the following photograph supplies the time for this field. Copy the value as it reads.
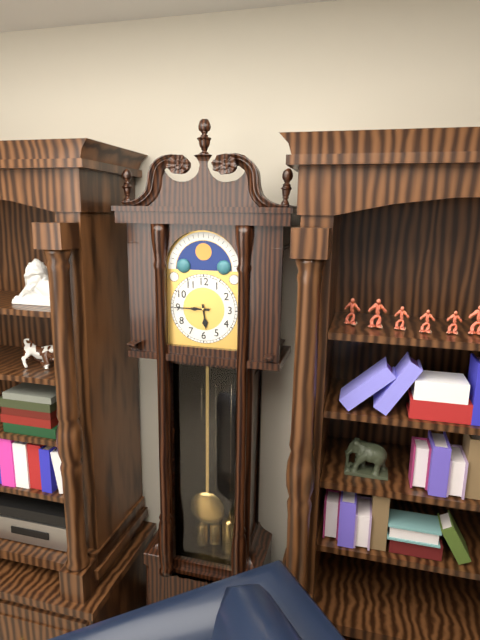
5:45
